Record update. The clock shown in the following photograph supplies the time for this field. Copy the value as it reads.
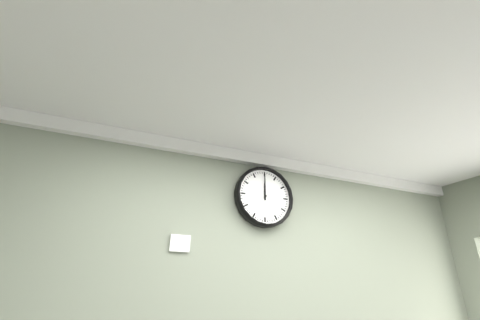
12:00
